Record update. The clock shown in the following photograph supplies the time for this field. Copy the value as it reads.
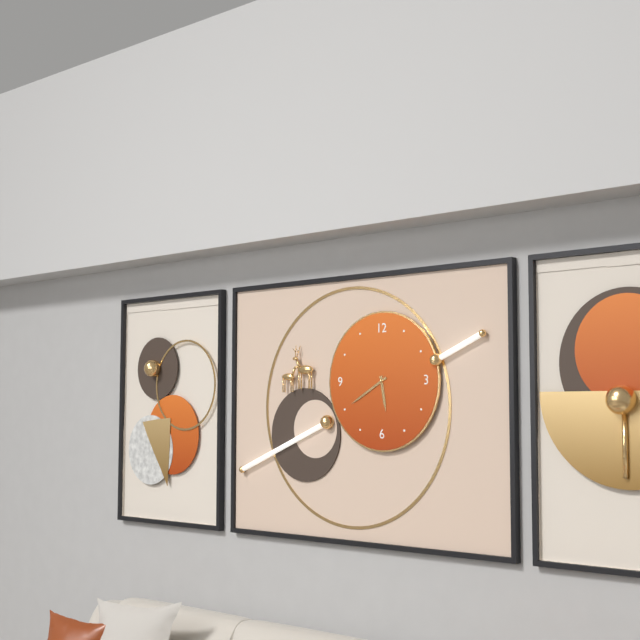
5:40
